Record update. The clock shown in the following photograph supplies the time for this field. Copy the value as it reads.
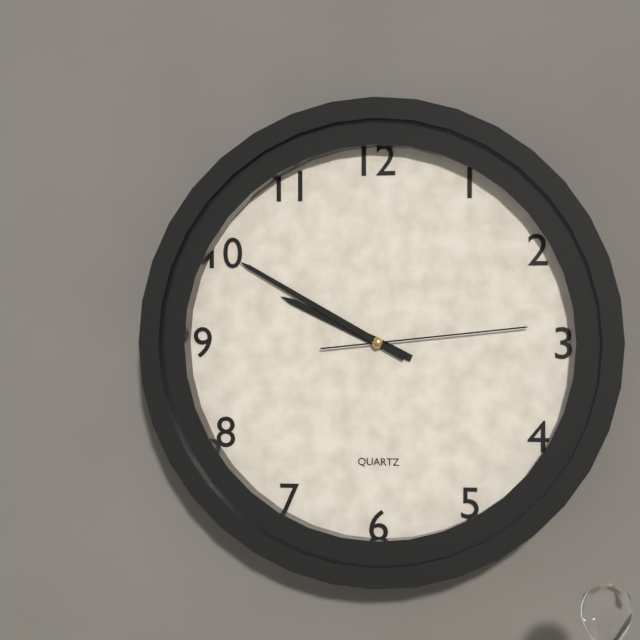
9:50:14
